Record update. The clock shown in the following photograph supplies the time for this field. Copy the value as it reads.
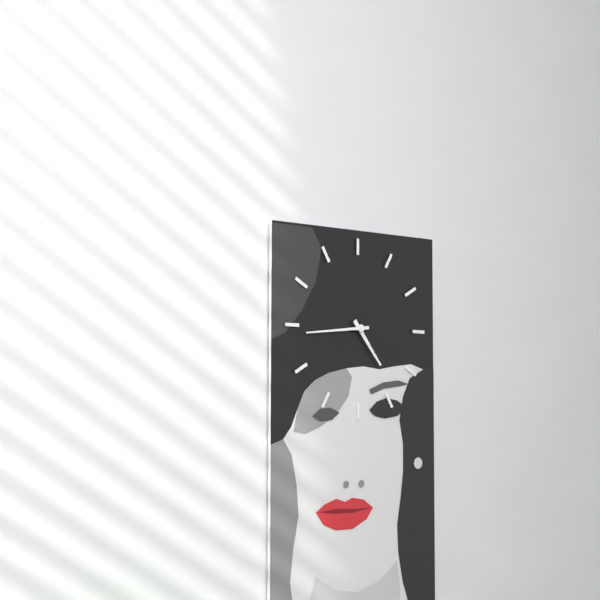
4:44
